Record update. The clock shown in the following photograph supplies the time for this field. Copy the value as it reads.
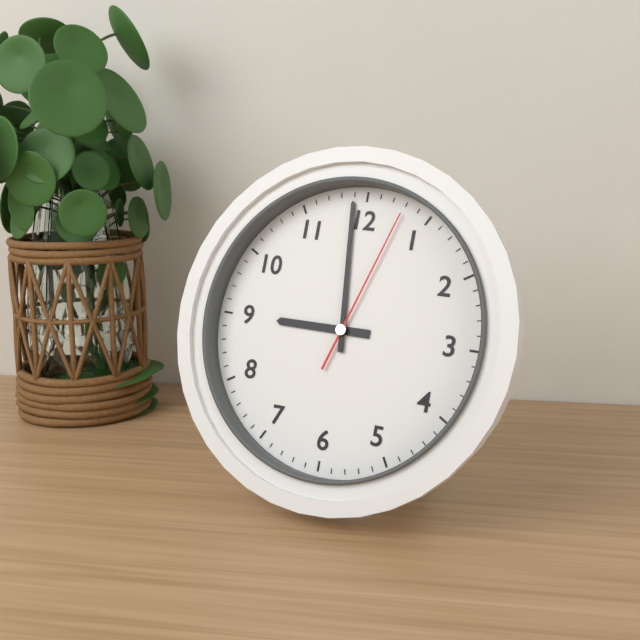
8:59:03
